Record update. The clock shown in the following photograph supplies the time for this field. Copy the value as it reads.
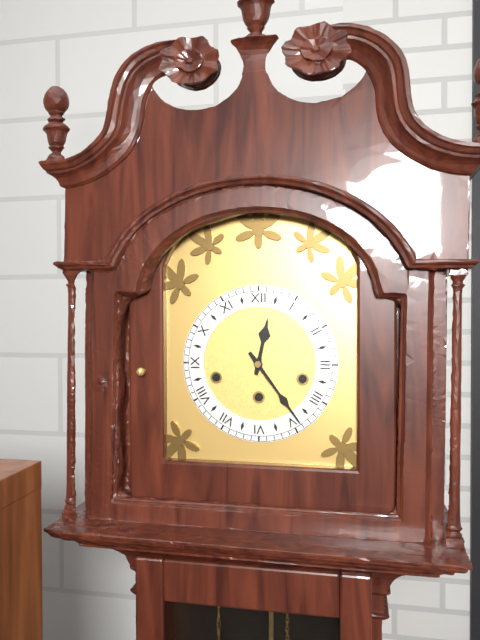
12:24
